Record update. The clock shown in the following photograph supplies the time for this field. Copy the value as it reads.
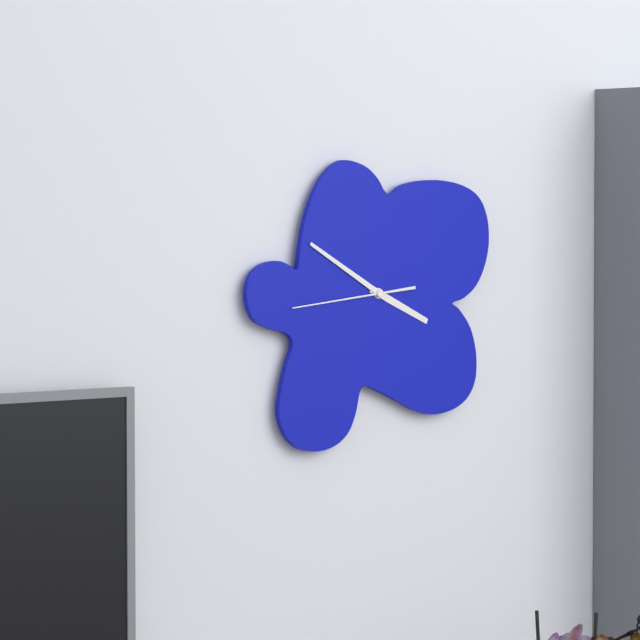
3:50:44
